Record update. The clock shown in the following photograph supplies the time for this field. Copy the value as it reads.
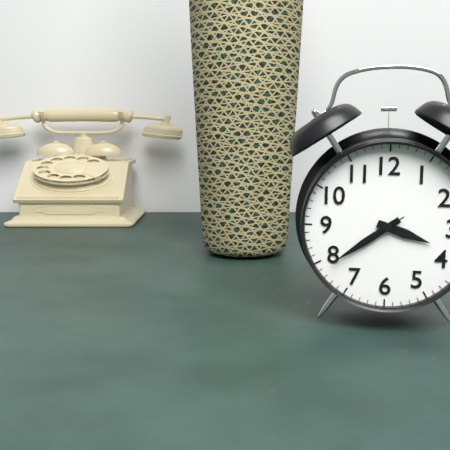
3:39:39
